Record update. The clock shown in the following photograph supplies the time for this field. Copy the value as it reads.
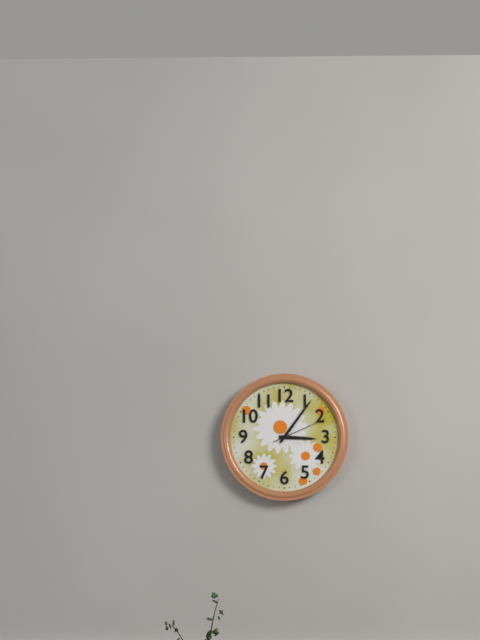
3:06:11
